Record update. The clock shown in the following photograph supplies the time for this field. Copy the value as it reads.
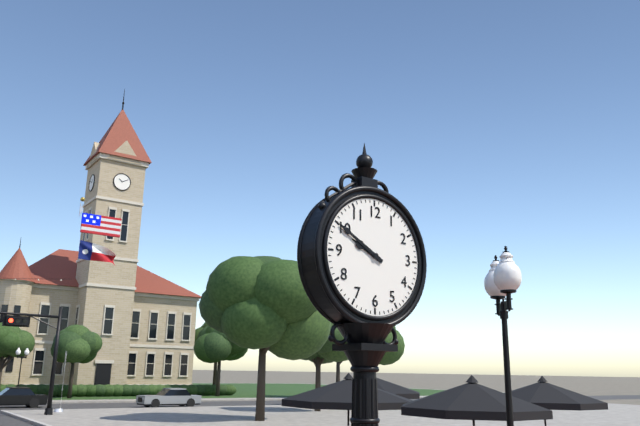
9:50
